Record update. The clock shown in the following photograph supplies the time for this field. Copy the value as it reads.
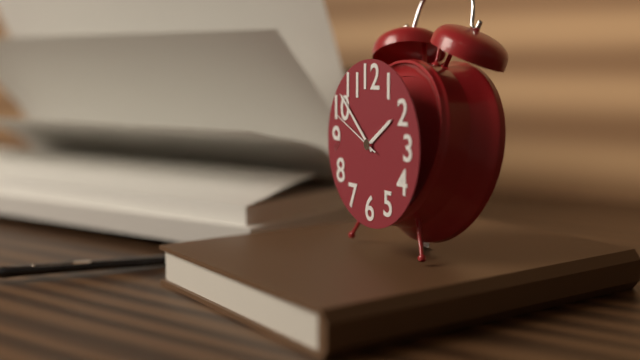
1:52:49
